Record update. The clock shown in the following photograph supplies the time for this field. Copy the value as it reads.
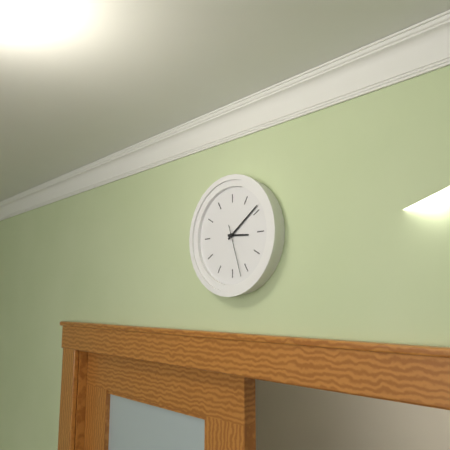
3:09:27
